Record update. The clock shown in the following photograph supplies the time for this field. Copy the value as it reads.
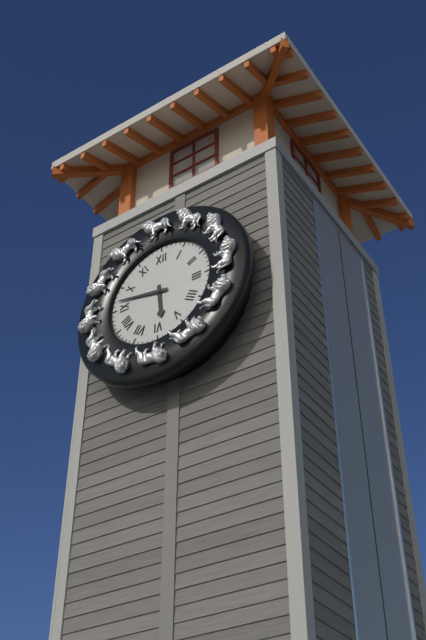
5:47
